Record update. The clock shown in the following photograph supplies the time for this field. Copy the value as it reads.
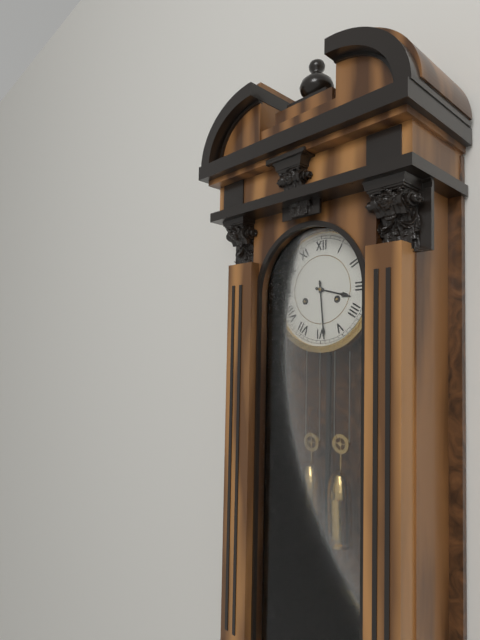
3:29
